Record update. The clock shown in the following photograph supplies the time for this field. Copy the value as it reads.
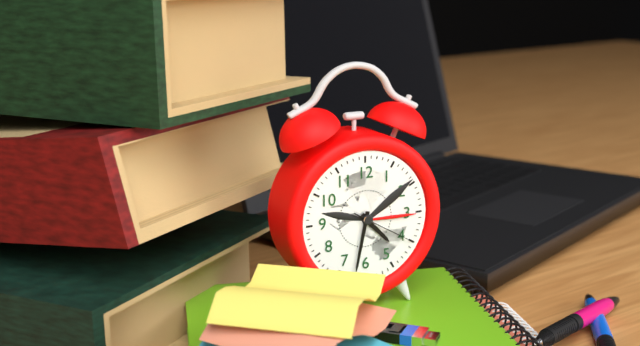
4:32:20
